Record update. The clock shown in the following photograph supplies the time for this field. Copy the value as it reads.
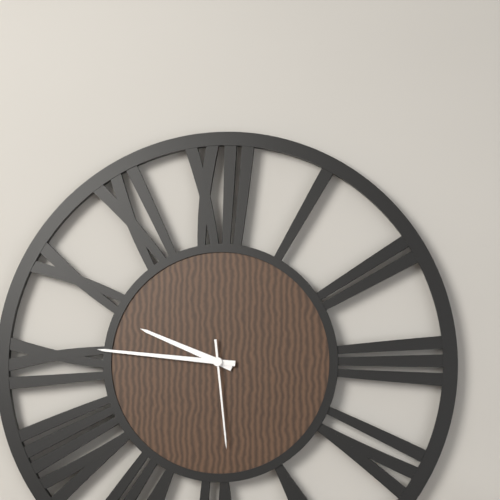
9:46:29
